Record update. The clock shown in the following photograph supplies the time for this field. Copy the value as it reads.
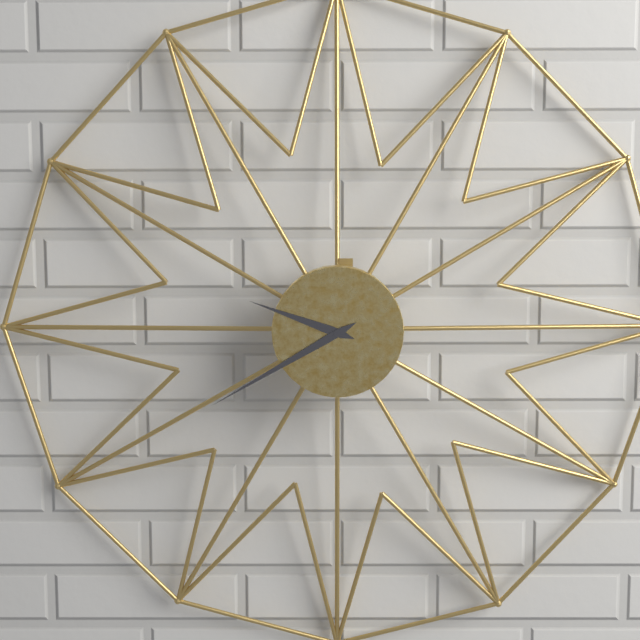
9:40
